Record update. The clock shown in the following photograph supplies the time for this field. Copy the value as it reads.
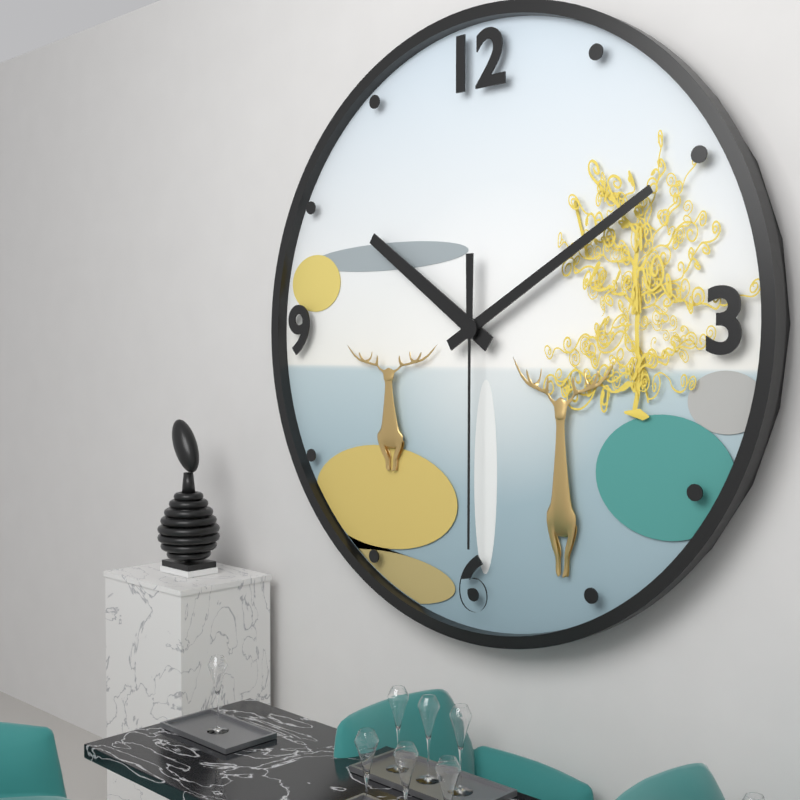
10:10:30
